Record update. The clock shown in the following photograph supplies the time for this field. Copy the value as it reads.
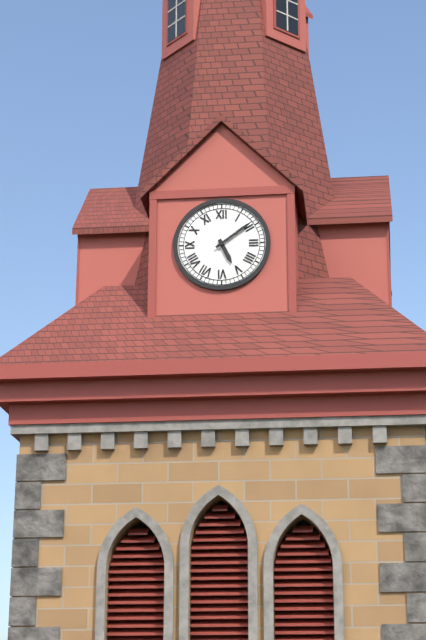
5:09
